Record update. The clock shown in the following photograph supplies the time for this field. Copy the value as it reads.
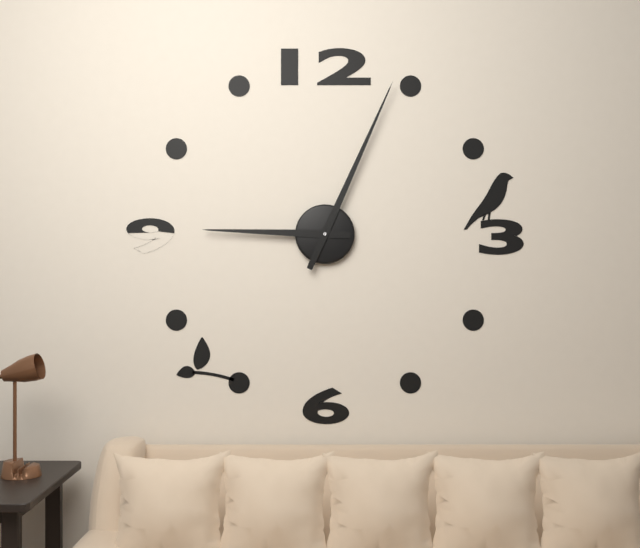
9:04
